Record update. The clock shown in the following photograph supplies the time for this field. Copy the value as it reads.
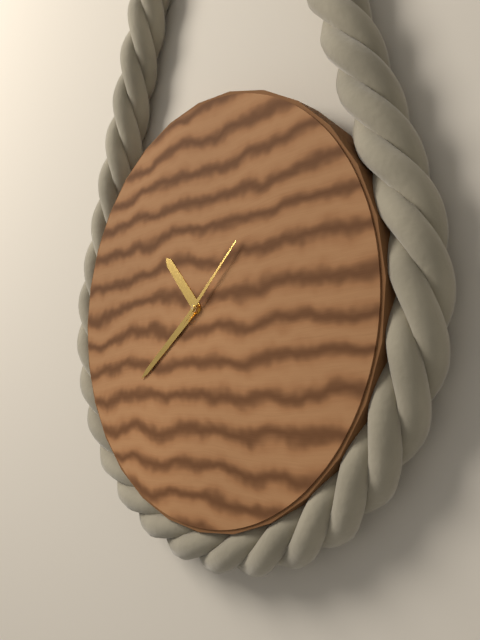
10:39:08
